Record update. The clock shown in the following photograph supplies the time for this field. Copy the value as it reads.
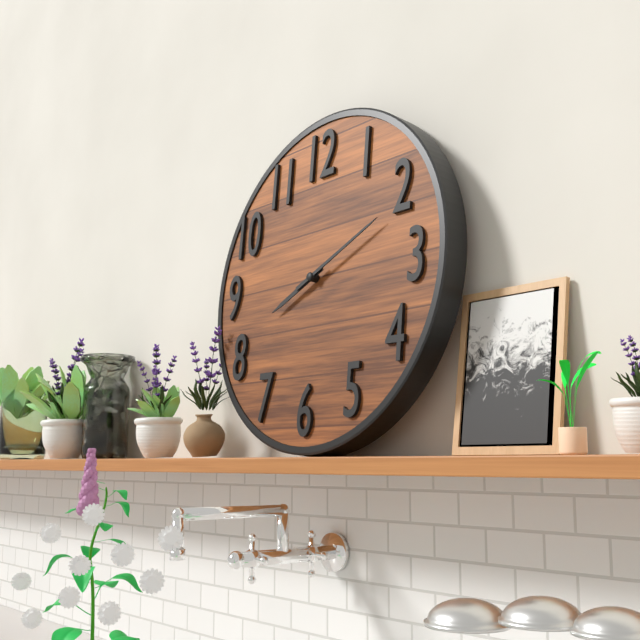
8:11
